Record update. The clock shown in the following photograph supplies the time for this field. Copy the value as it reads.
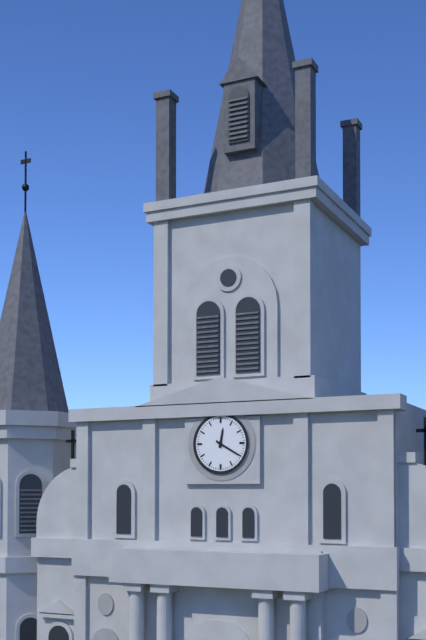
12:20
